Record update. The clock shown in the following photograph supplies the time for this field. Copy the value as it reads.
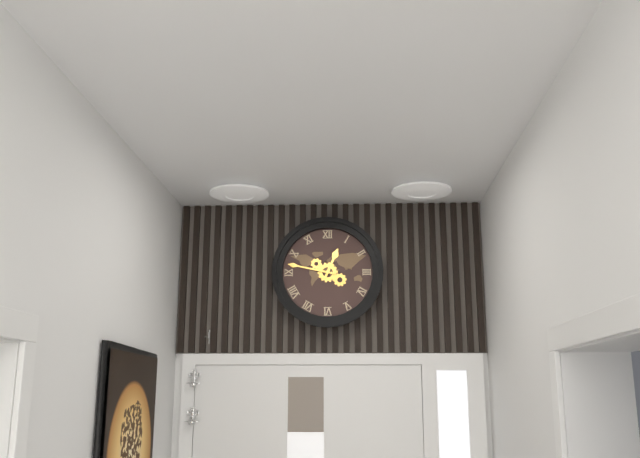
12:47
